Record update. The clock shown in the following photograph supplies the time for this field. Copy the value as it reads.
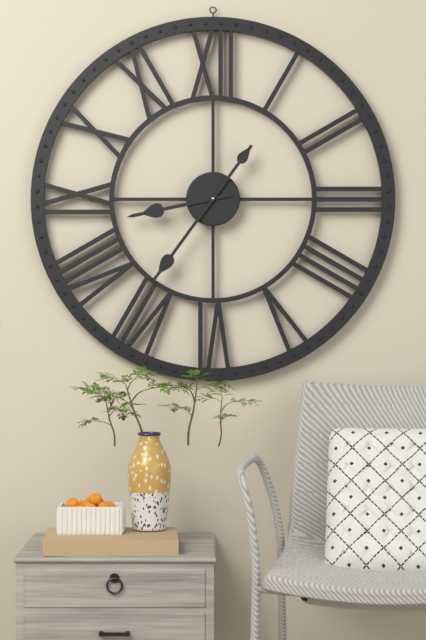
8:36
